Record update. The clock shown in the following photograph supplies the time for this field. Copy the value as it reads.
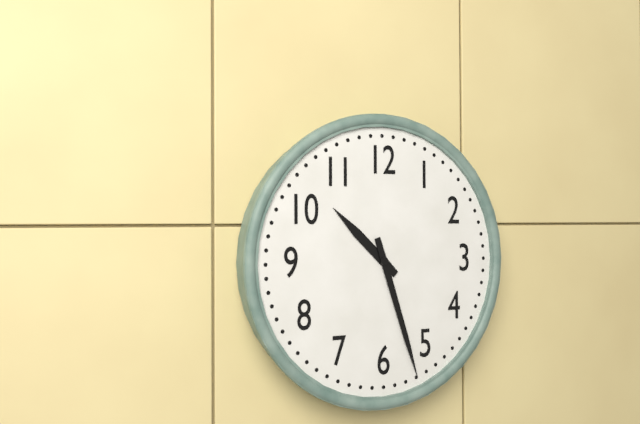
10:27
